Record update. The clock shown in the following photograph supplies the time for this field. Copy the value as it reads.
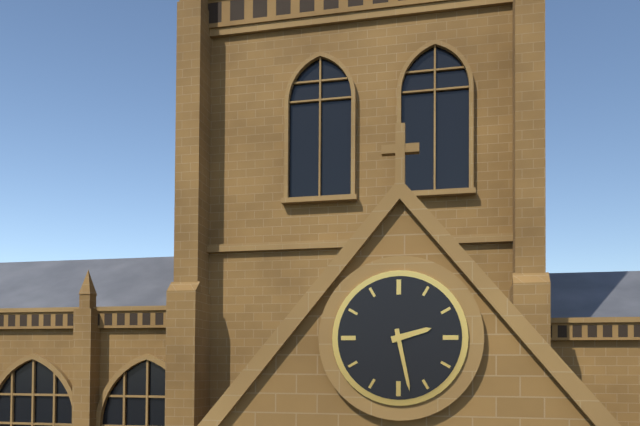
2:28
